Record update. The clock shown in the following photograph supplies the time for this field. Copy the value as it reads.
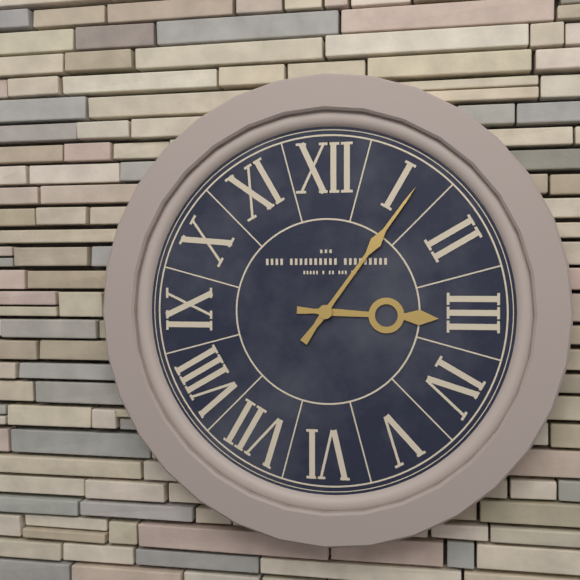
3:06
